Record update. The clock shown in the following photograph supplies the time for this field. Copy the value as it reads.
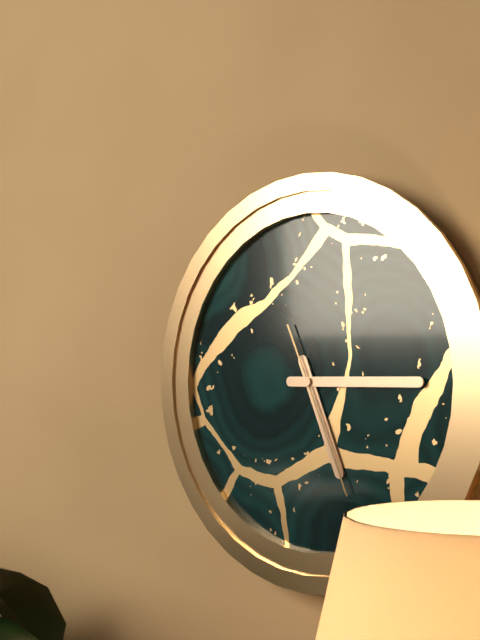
5:15:26
